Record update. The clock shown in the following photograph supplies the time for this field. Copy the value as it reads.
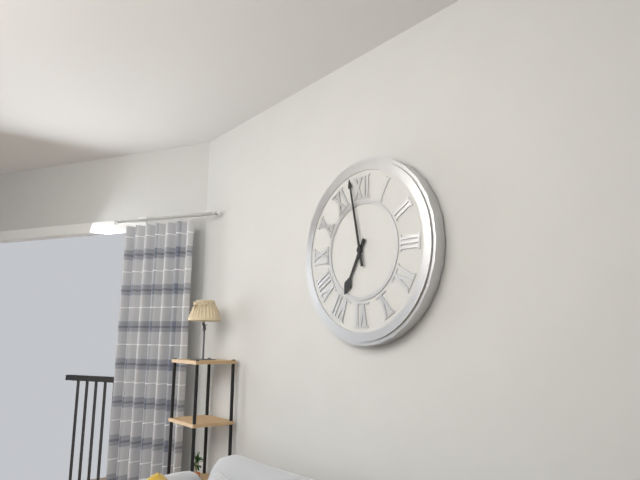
6:58
